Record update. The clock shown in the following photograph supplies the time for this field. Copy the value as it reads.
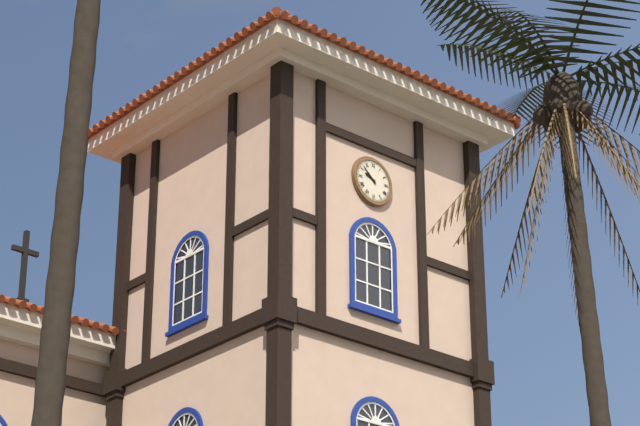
9:52
